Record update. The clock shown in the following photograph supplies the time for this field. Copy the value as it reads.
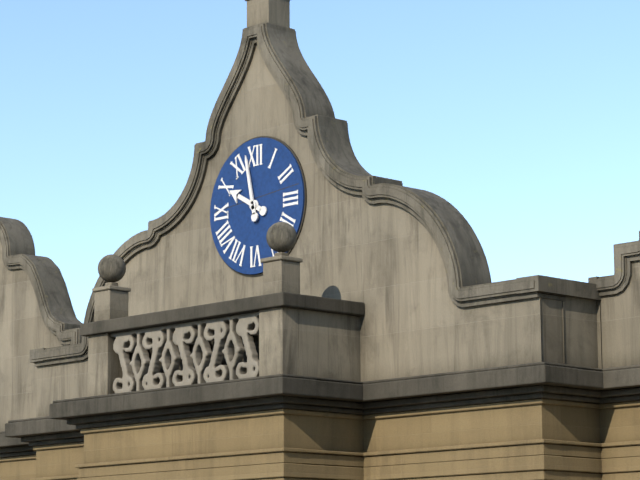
9:58
